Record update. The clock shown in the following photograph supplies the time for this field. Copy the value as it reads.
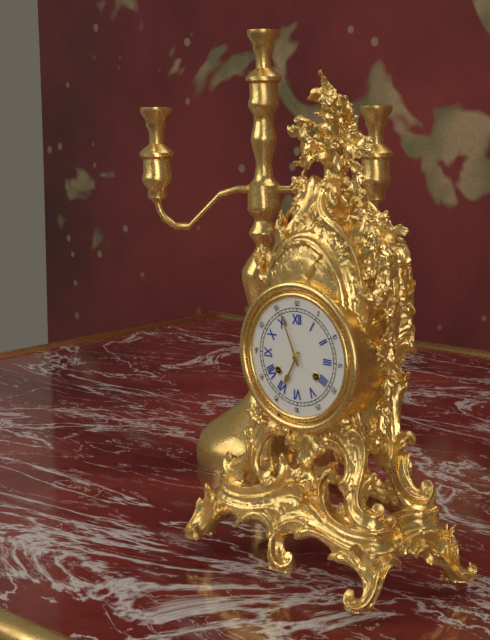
6:56
